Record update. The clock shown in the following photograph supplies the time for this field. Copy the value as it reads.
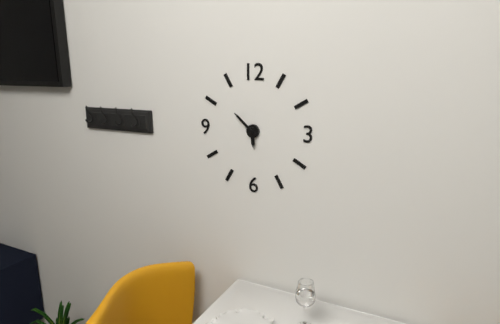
5:52
